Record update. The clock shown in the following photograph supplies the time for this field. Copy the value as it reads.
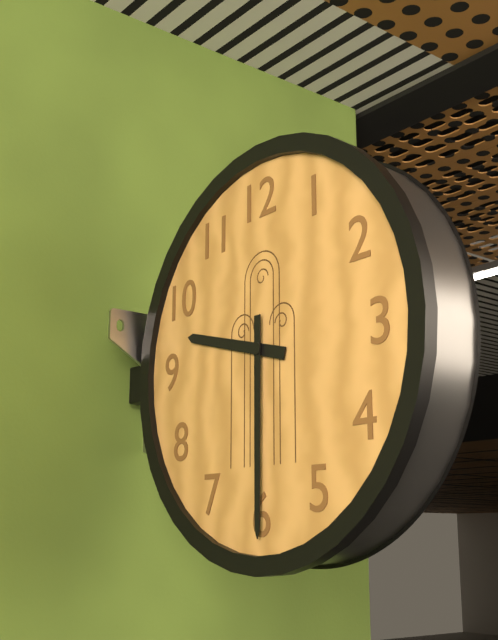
9:30
